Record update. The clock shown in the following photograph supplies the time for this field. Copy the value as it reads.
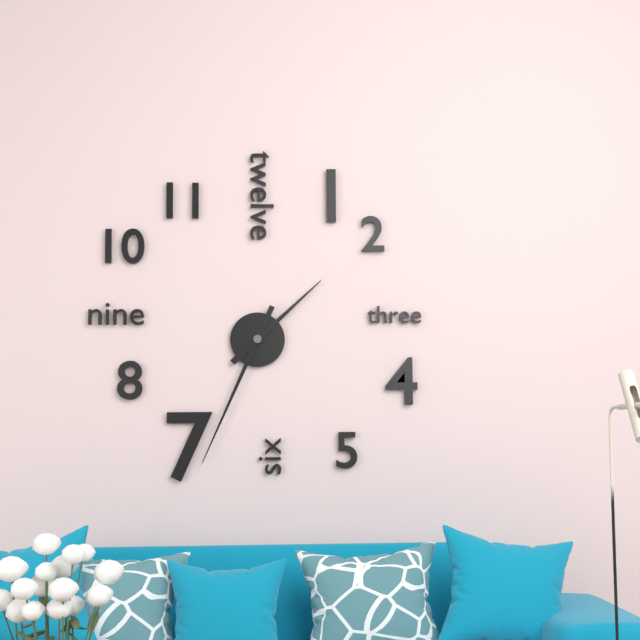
1:34
